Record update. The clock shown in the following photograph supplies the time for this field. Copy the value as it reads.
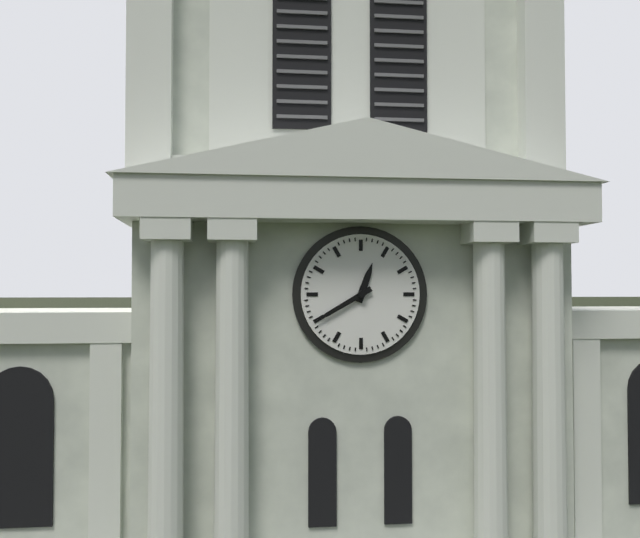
12:40
